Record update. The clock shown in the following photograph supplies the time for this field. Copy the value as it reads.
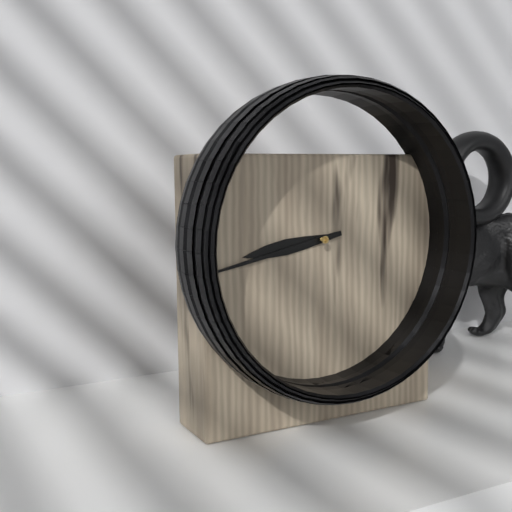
8:43
